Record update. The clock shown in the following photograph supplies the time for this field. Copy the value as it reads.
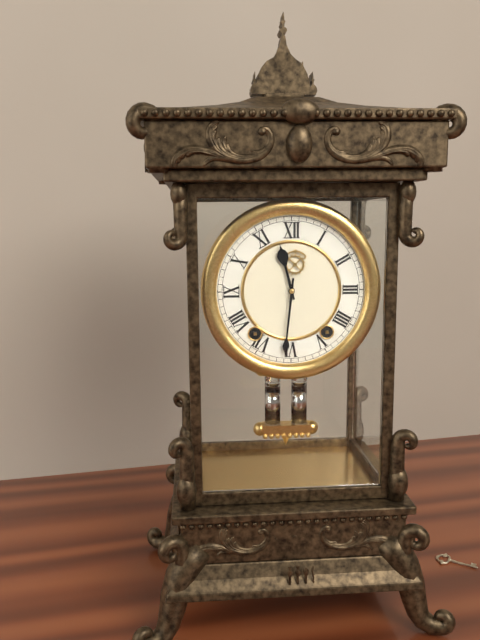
11:31
